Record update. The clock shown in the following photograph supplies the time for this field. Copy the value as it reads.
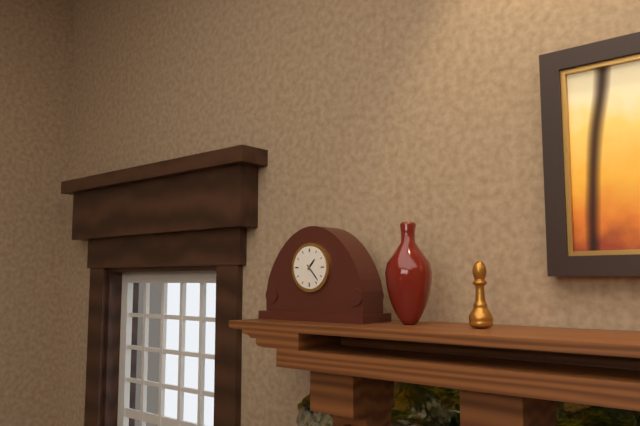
1:23
